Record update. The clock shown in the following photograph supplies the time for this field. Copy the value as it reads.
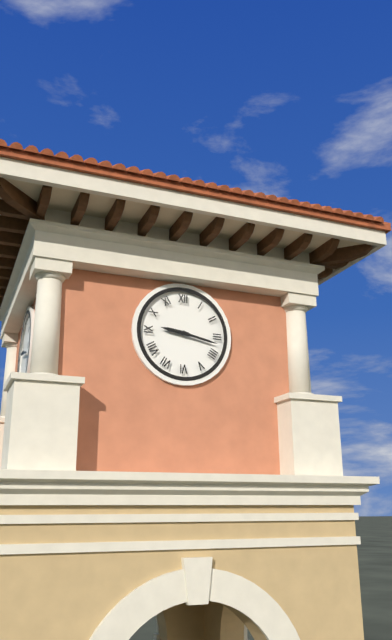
9:17
